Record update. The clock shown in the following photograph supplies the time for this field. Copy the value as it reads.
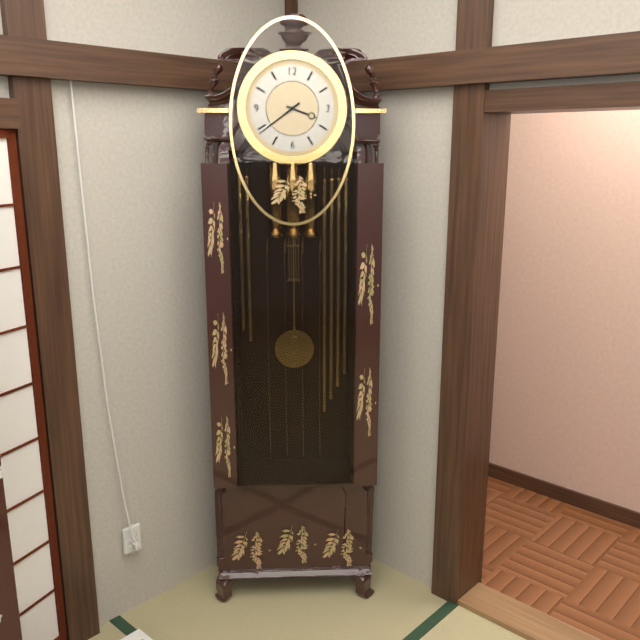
3:39
